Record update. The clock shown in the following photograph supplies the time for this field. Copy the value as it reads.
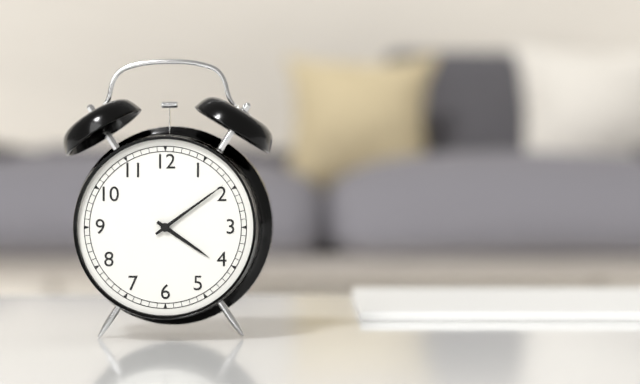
4:09
